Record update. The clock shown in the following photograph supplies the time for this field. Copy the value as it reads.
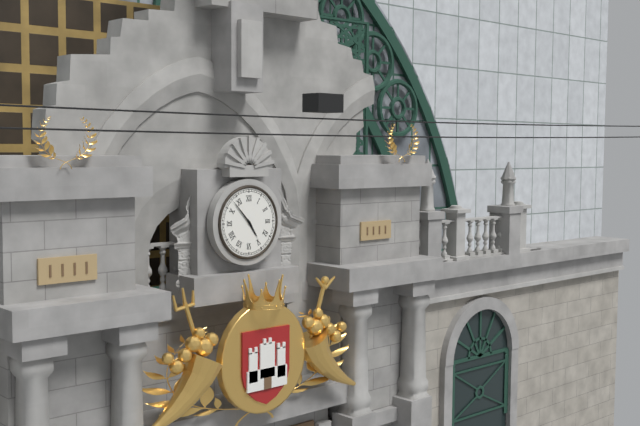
4:53
